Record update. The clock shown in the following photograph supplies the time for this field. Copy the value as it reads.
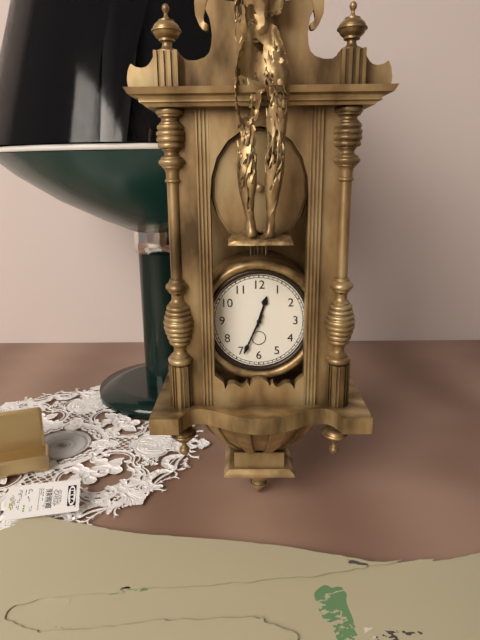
12:34
